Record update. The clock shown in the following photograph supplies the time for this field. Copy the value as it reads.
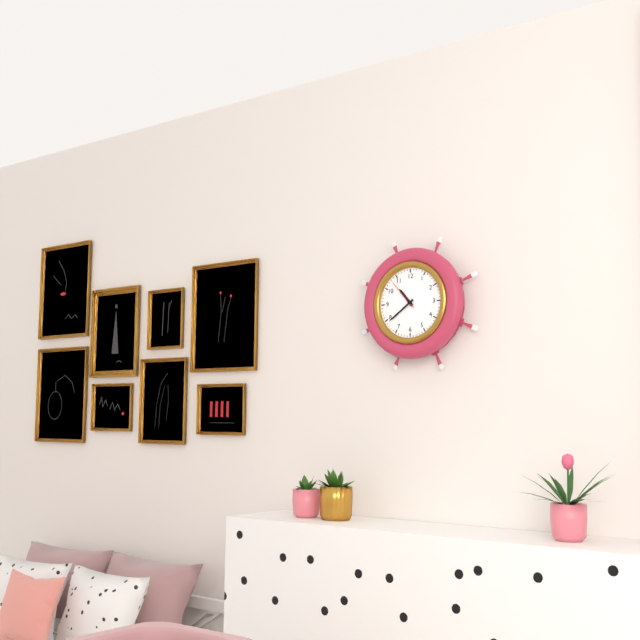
10:39
